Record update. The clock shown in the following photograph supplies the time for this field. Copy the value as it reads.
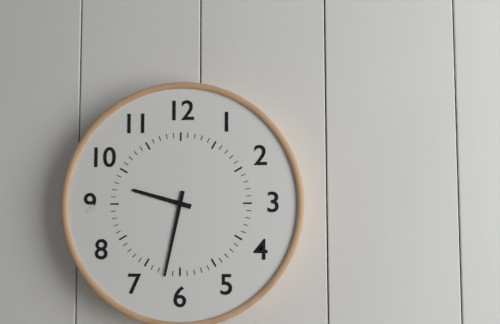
9:32
